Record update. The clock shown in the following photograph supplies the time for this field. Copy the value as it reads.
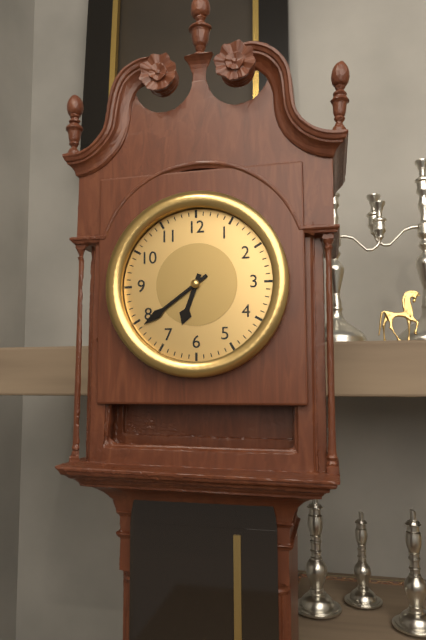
6:39
